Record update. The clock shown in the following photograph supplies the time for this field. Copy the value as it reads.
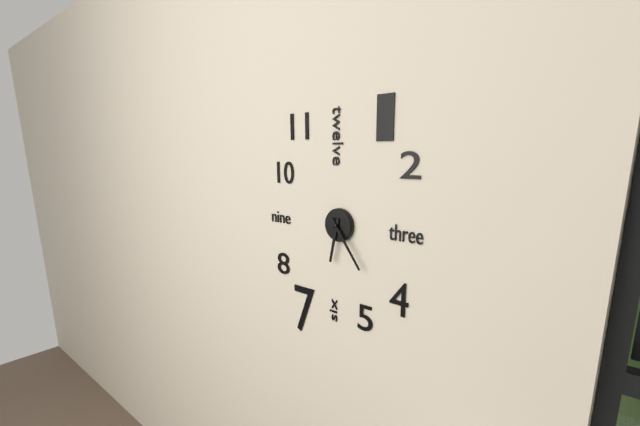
6:24
